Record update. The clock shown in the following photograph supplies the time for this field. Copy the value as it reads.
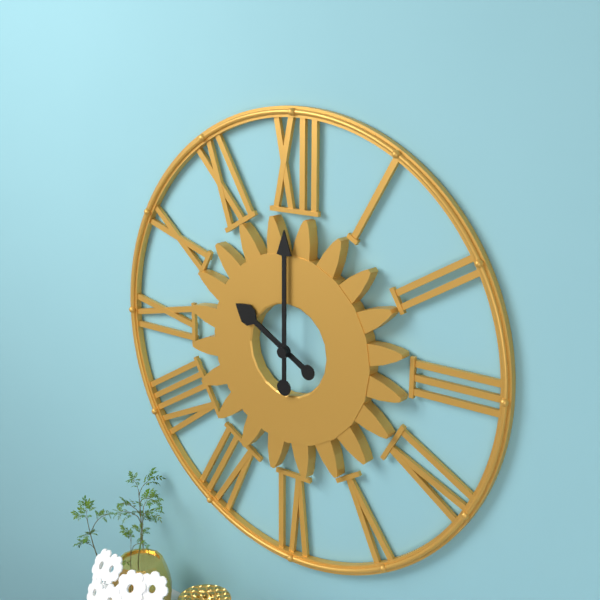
10:00
